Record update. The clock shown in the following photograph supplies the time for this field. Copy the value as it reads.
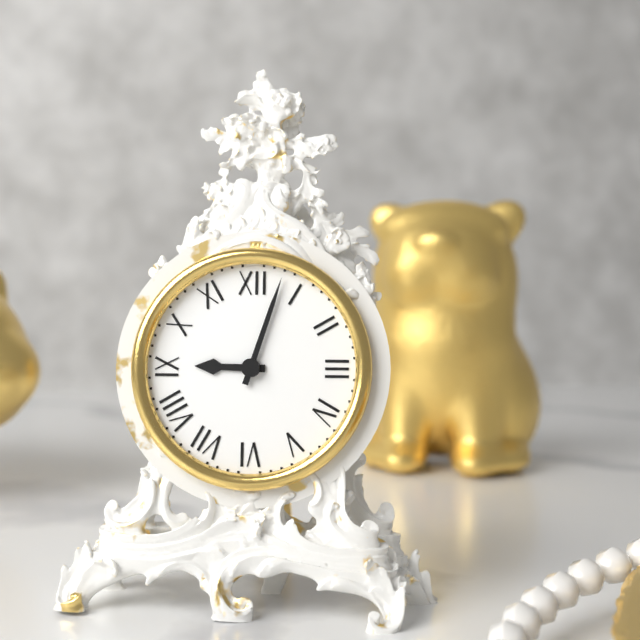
9:03
